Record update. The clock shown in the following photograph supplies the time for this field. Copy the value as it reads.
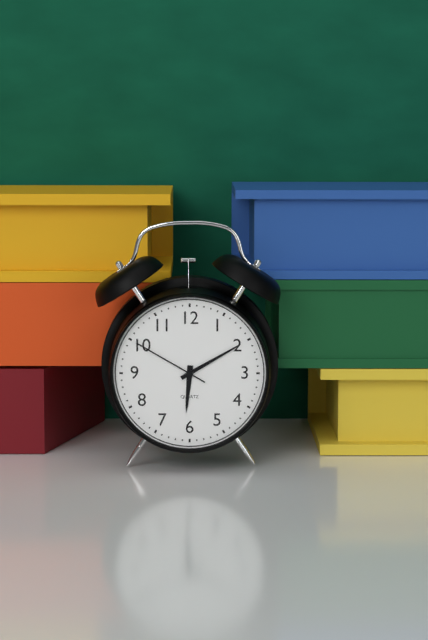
6:10:50
